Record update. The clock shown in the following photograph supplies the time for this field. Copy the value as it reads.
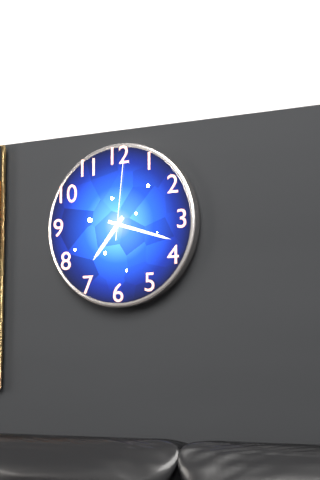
7:18:01
